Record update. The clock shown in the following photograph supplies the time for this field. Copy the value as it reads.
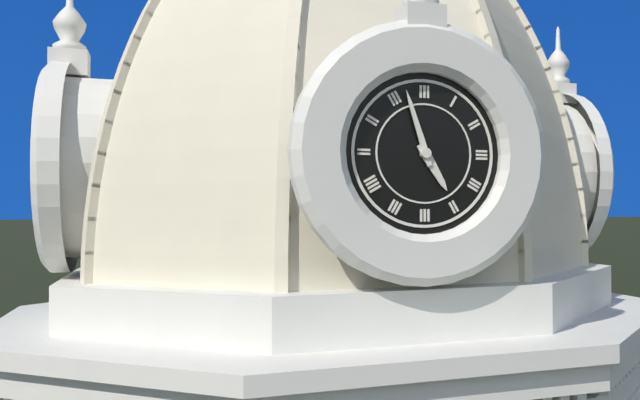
4:57
